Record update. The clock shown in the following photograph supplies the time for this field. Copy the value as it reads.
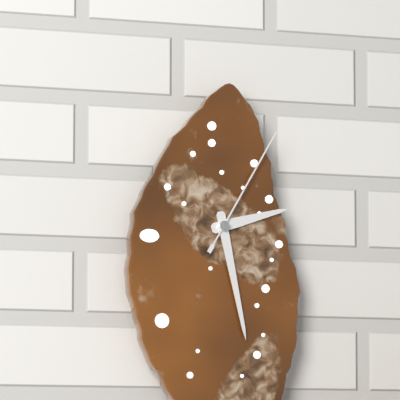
2:28:05
